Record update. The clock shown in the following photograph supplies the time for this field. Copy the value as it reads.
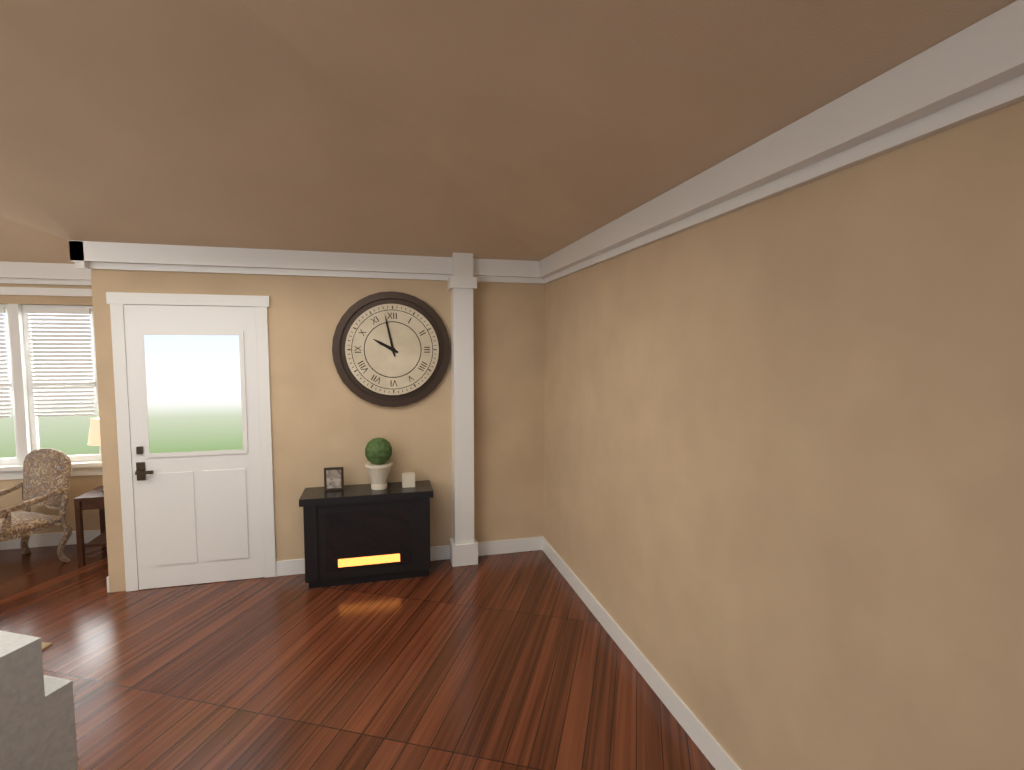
9:58
